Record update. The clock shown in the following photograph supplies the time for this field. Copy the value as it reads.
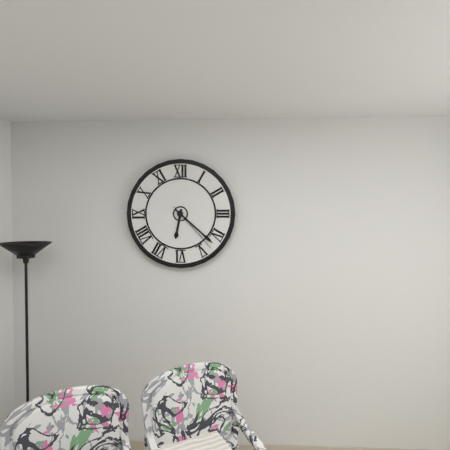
6:22:23
